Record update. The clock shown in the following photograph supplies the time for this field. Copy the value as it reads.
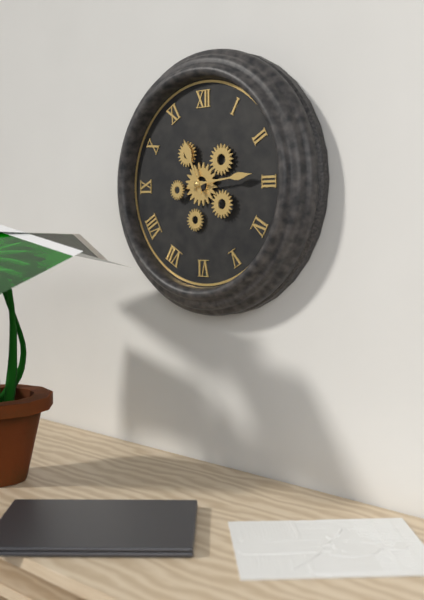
11:14
